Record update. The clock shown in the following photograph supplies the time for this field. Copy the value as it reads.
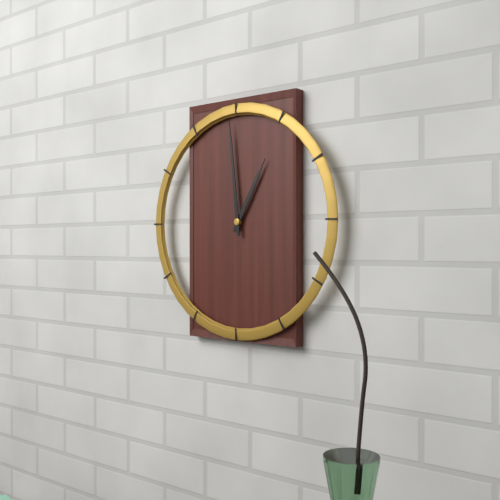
12:59
